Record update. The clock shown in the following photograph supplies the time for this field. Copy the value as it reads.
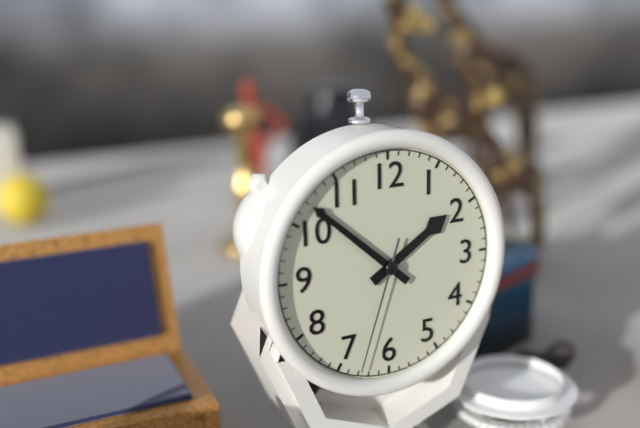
1:52:33
